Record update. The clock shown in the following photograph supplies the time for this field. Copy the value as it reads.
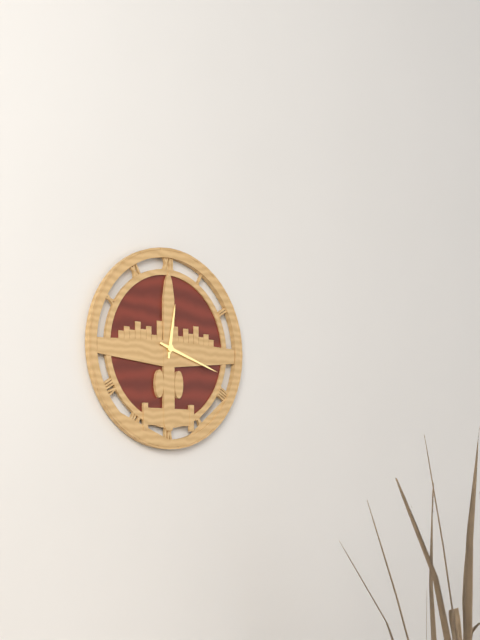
12:18
